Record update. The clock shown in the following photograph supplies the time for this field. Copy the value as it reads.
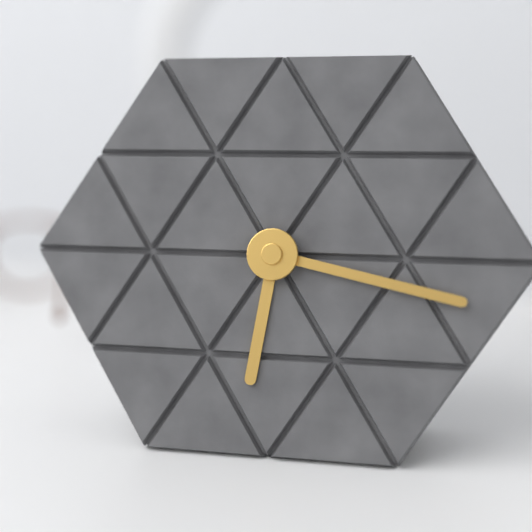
6:17
